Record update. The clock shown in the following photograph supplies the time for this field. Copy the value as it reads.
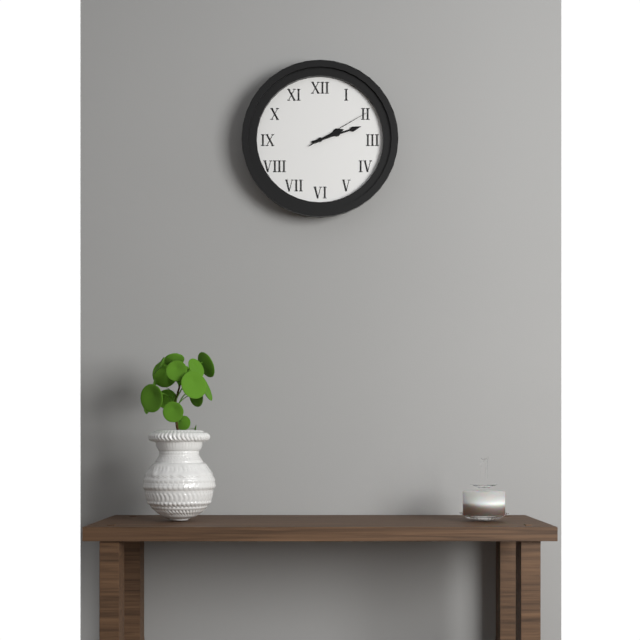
2:12:10
